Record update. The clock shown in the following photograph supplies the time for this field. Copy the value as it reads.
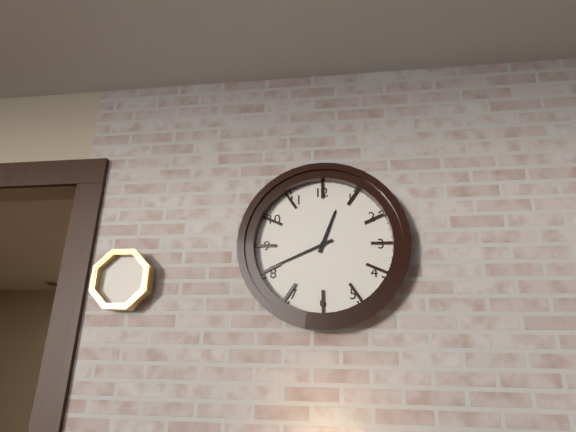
12:41
